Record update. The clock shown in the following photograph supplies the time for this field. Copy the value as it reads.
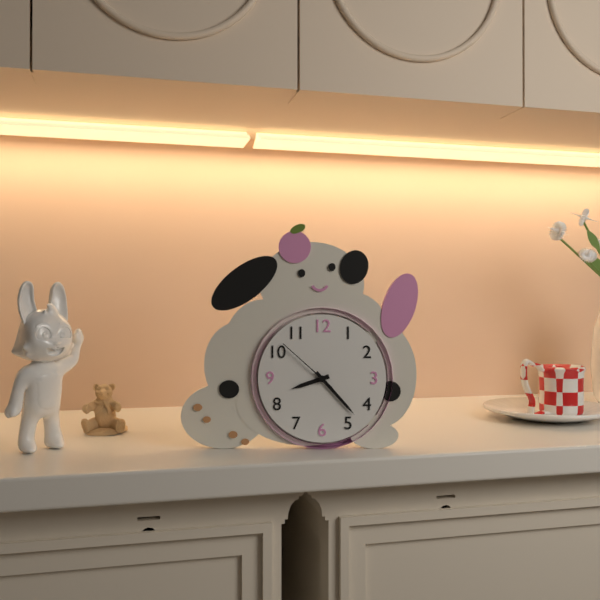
8:23:52
